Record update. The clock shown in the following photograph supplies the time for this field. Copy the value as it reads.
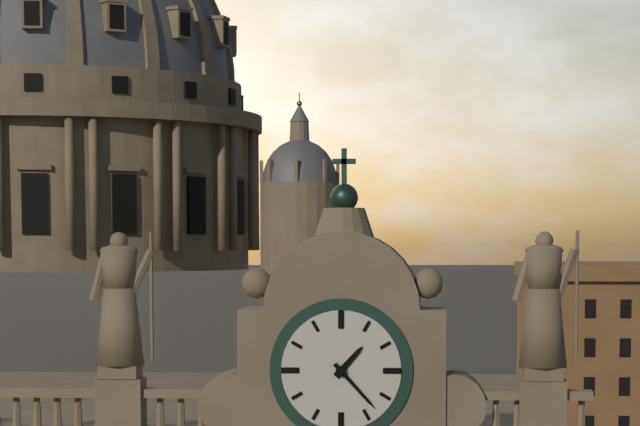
1:23
